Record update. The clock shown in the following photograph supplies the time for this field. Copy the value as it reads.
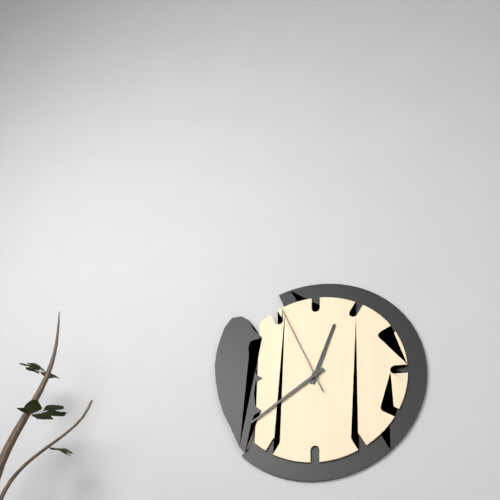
12:39:56
